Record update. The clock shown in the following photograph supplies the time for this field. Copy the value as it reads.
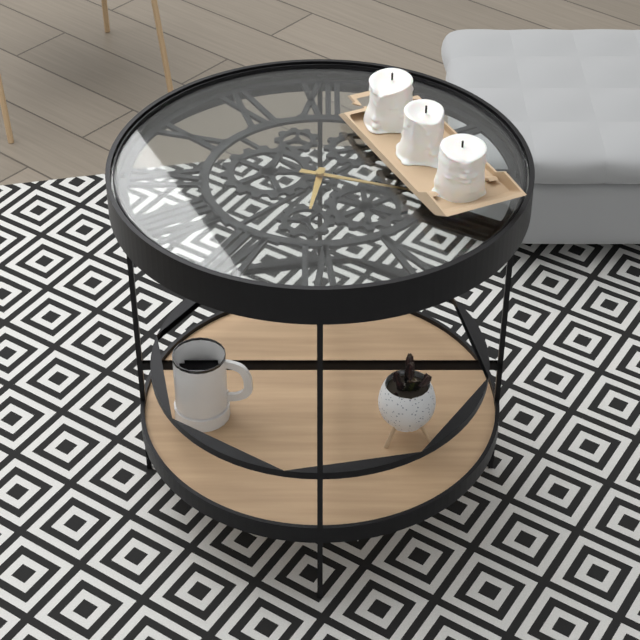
6:18
